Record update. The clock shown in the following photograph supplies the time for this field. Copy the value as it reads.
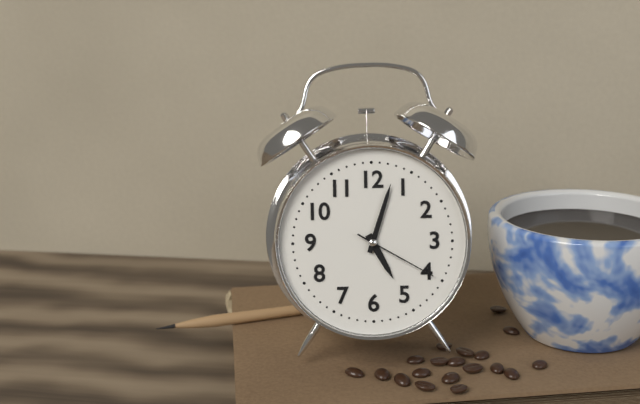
5:03:20
